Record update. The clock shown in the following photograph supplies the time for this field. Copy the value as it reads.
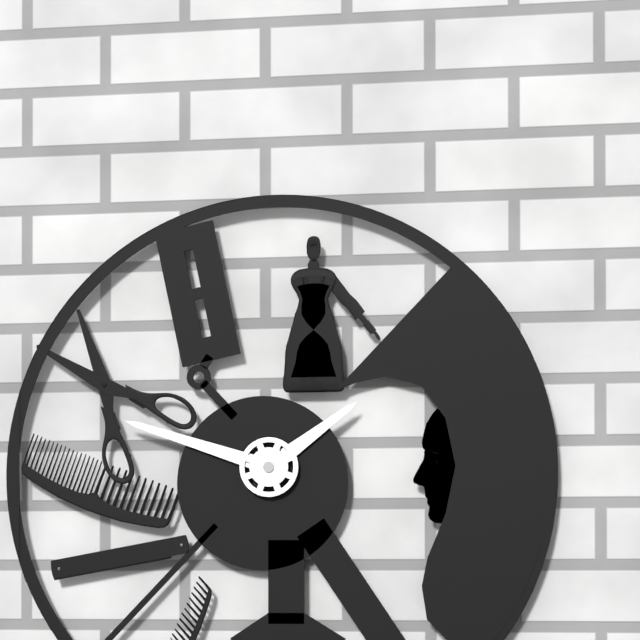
1:48
